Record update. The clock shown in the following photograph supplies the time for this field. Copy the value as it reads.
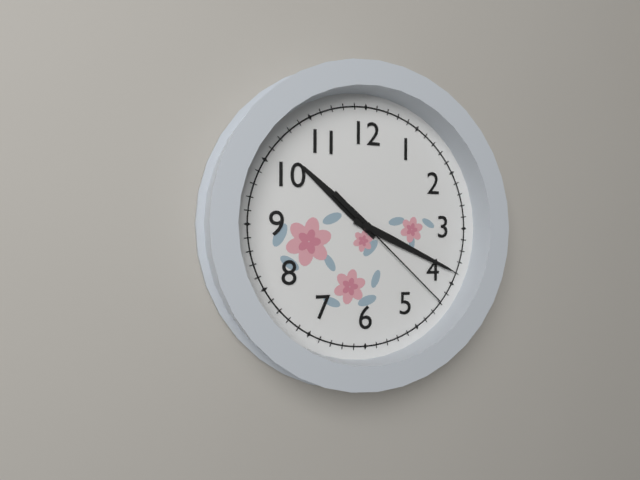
10:19:22
